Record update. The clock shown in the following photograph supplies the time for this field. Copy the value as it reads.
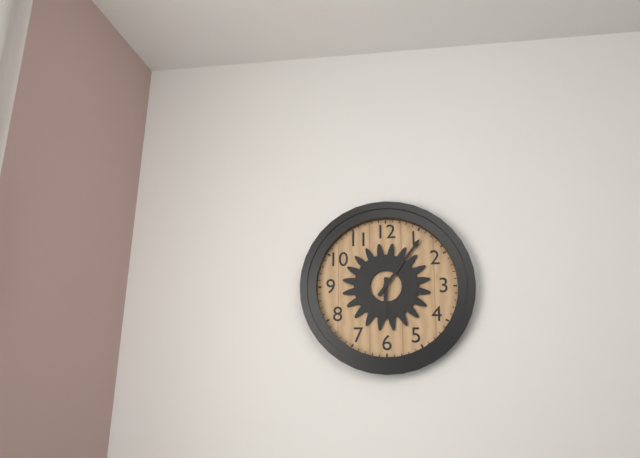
6:06
